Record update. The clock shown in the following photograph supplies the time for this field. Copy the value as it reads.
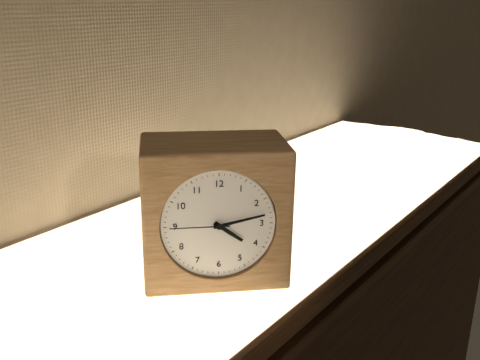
4:13:45
